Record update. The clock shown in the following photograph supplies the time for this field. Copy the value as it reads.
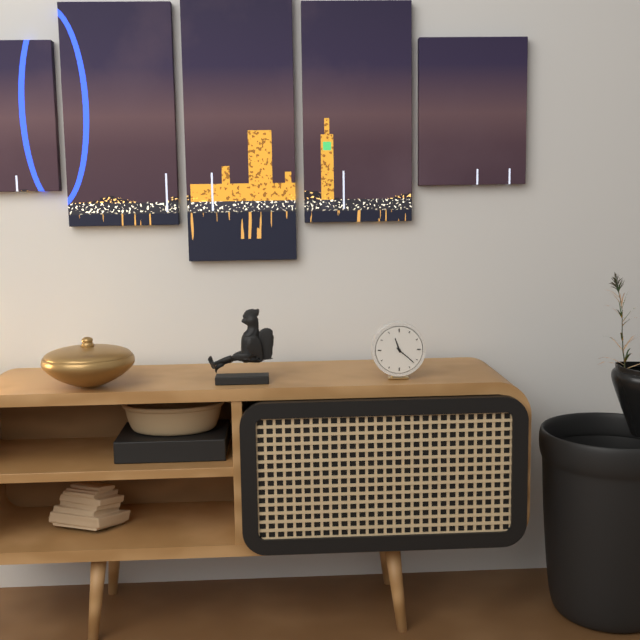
11:22
